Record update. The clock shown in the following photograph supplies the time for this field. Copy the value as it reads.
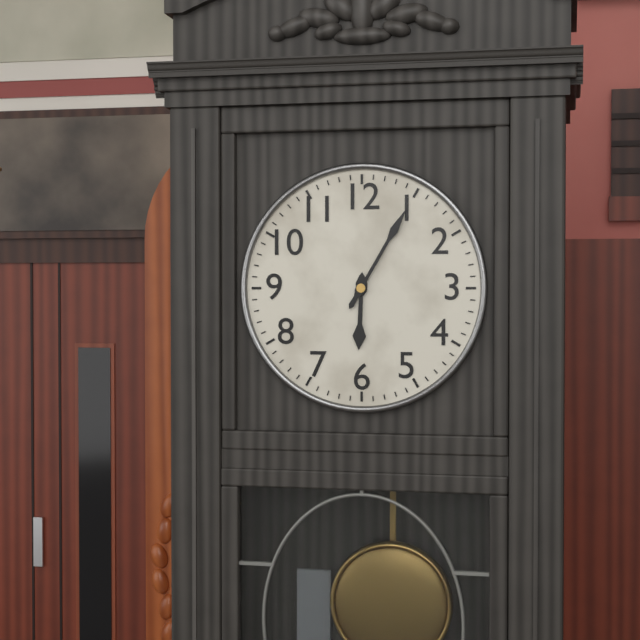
6:05
